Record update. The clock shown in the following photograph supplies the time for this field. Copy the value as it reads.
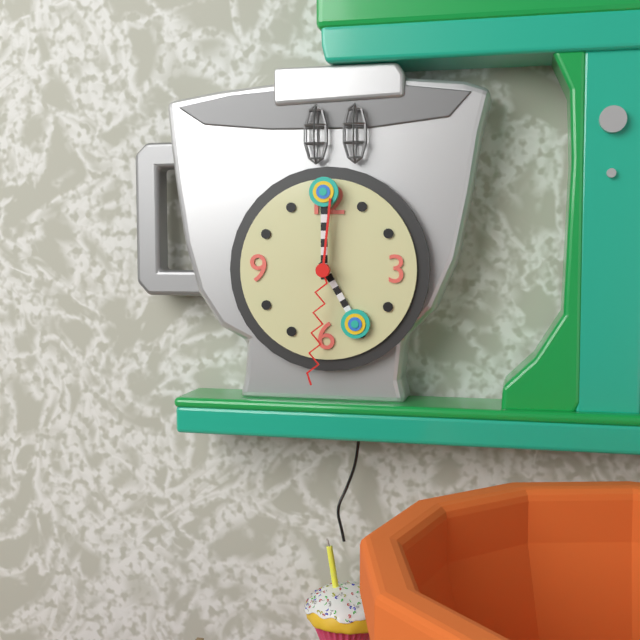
5:00:31
